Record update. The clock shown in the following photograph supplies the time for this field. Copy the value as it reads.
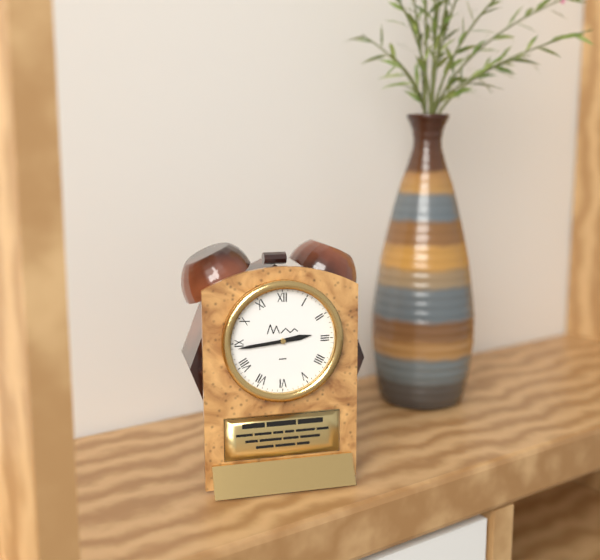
2:44
